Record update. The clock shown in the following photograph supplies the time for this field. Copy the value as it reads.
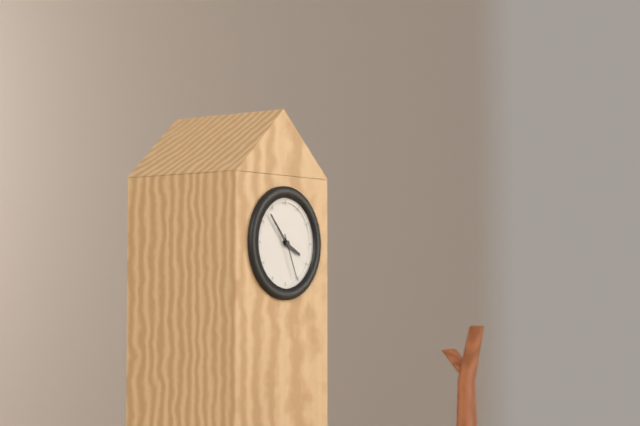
3:53
